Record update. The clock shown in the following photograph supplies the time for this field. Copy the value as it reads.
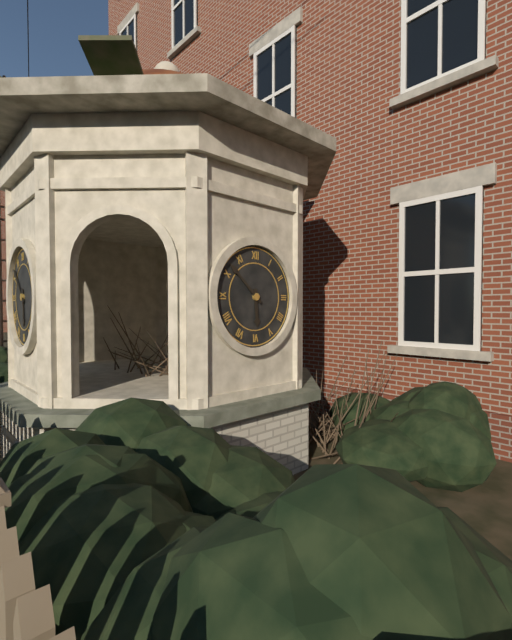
5:52
